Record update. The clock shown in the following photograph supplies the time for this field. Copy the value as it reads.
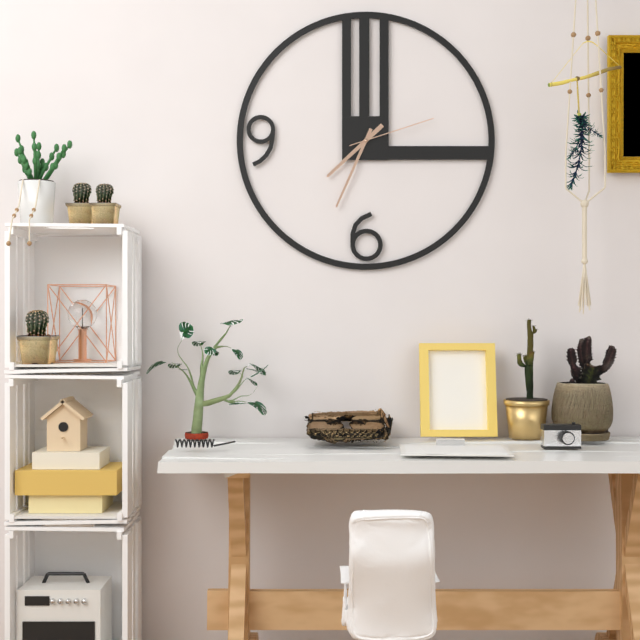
7:34:12
